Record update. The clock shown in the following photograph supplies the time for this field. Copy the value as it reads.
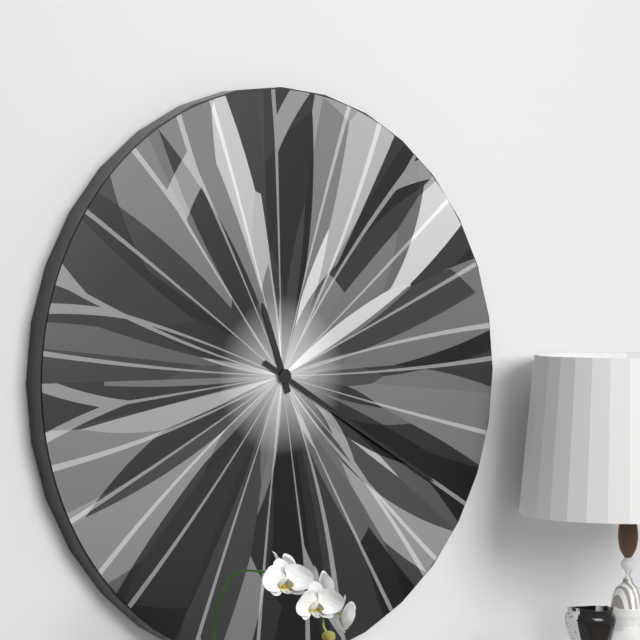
11:20
